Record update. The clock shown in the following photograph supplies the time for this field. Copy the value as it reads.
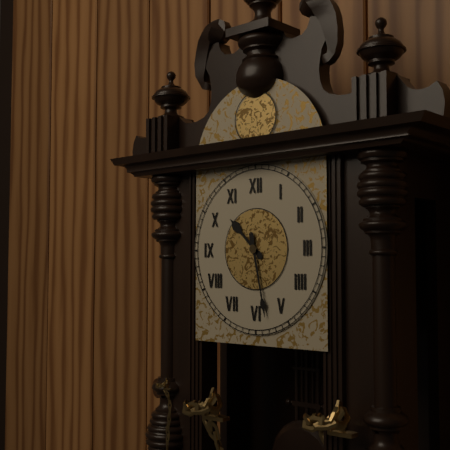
10:28
